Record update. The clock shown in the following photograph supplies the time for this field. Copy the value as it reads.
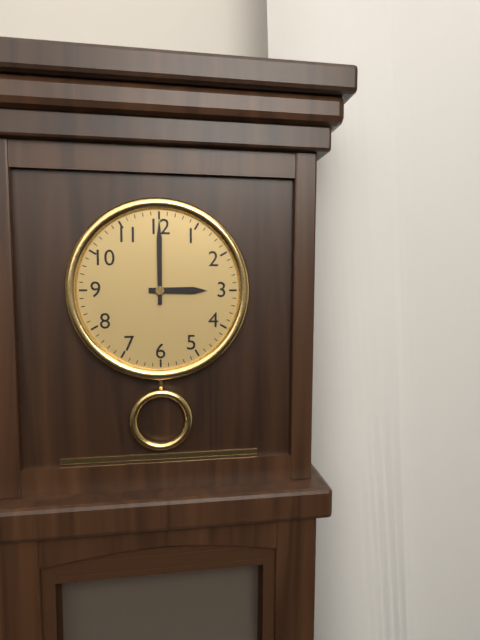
3:00
